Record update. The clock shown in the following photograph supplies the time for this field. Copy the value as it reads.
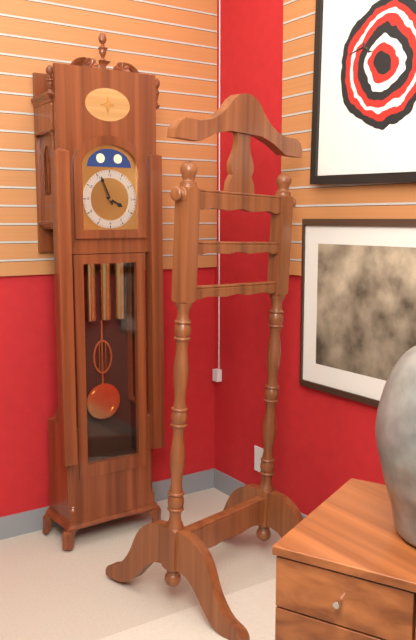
3:56
